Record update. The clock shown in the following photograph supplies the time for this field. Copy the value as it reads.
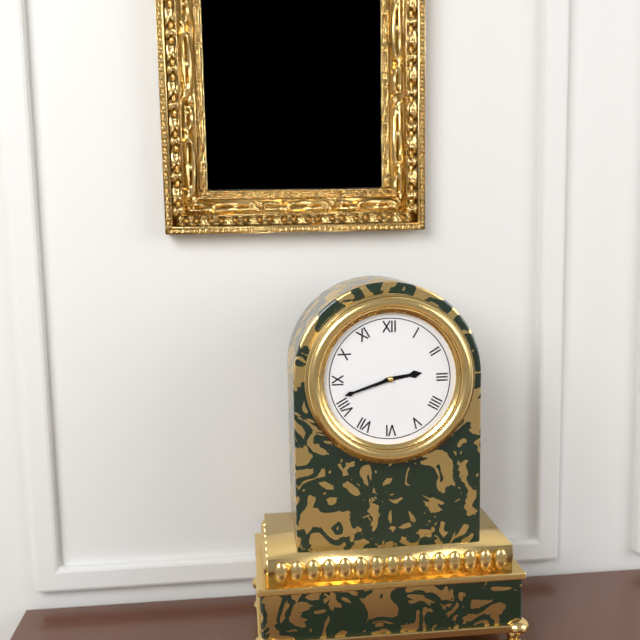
2:42
